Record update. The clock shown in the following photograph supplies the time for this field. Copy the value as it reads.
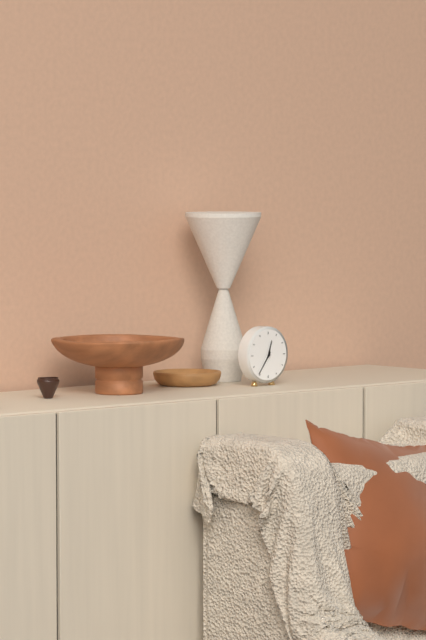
12:36
